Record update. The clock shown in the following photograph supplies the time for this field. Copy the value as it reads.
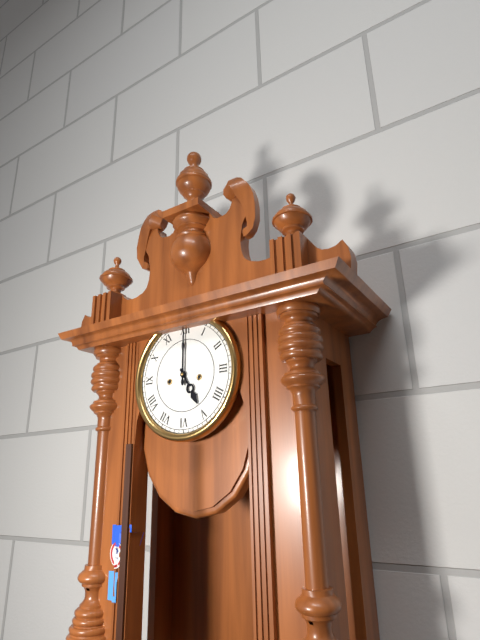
5:00
